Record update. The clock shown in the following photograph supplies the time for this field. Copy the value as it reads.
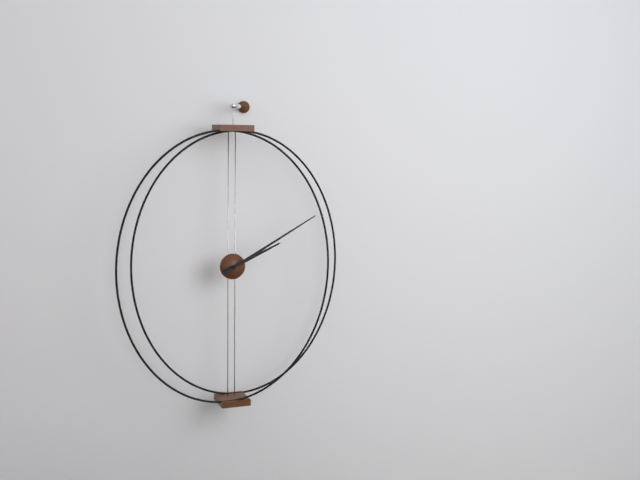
2:10
